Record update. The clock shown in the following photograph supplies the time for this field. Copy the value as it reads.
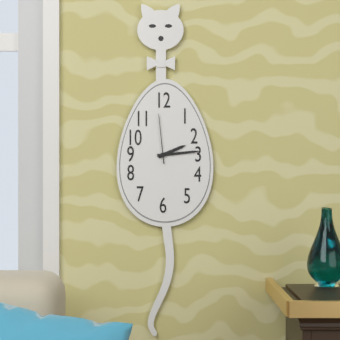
2:14:59
